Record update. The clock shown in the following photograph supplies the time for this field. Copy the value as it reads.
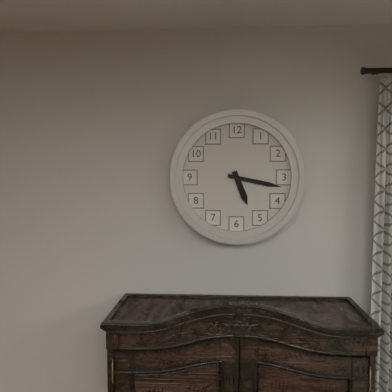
5:17
